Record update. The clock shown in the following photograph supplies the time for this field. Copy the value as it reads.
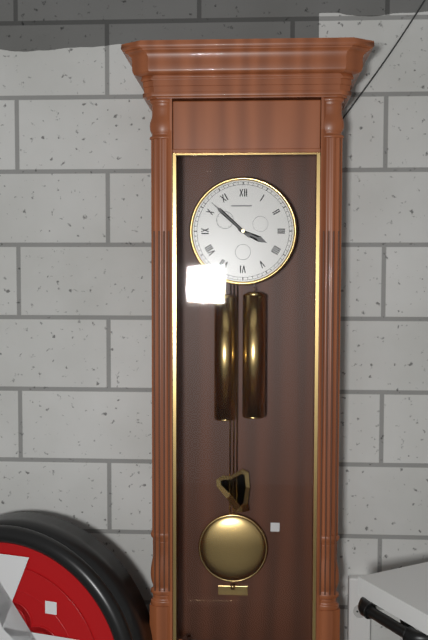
3:52
